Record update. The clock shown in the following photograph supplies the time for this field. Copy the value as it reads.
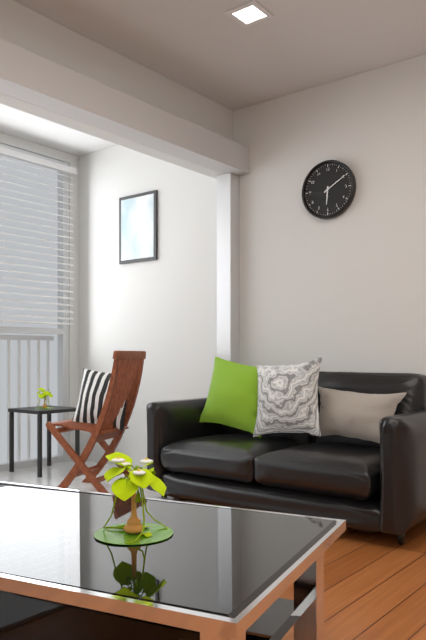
6:10
